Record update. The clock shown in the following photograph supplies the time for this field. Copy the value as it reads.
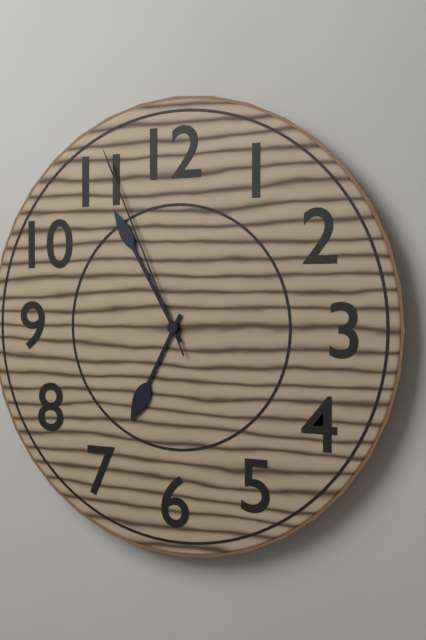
6:55:56
